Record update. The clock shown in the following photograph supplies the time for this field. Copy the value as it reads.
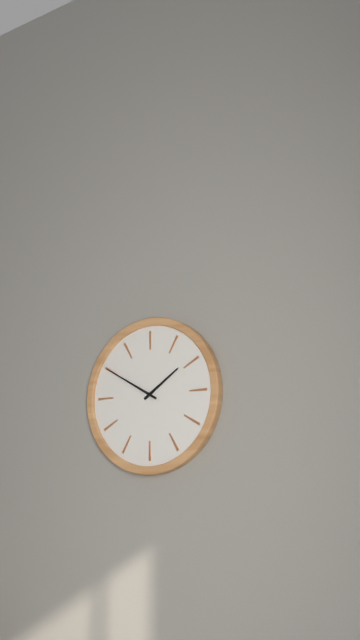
1:50
